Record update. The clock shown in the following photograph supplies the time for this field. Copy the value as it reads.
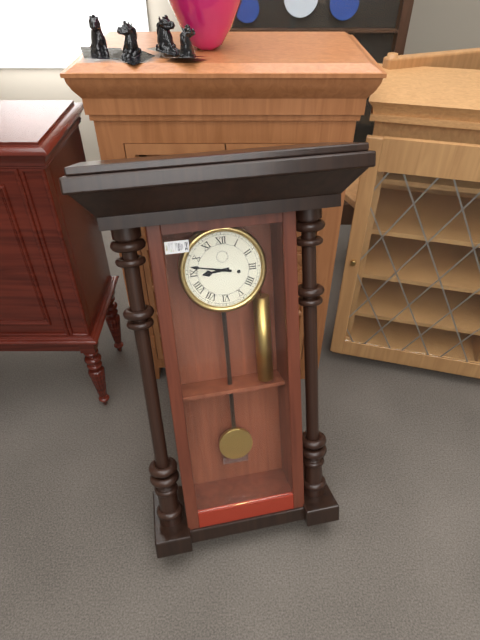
8:47
